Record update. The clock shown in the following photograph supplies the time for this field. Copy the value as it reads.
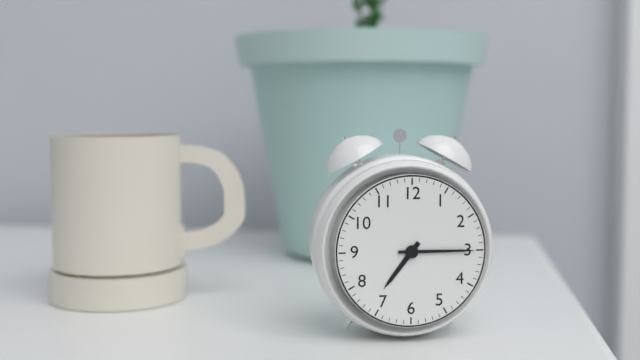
7:15
